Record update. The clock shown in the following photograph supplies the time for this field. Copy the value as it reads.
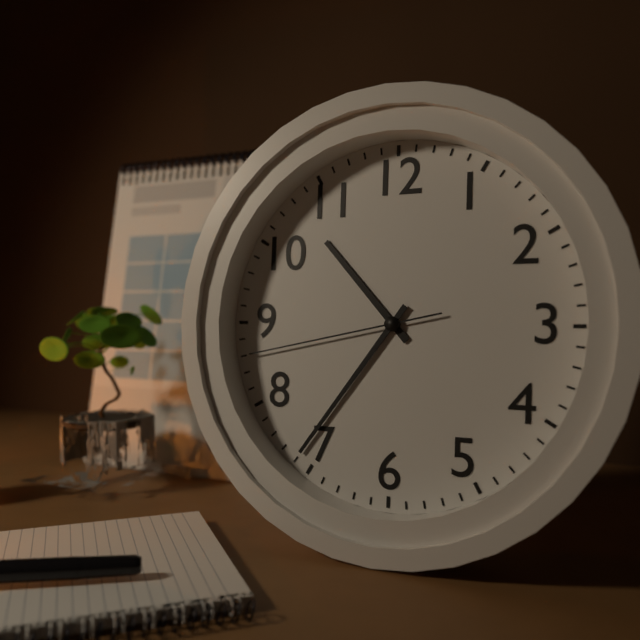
10:36:43
